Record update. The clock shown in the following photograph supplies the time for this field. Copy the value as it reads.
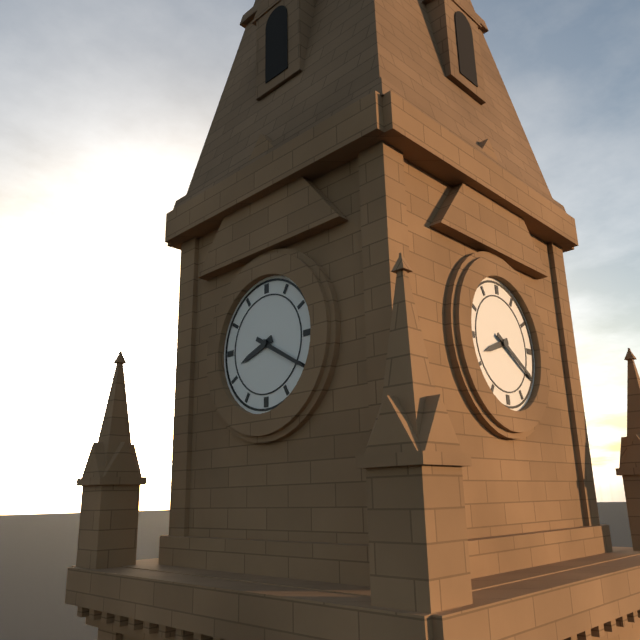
8:20
